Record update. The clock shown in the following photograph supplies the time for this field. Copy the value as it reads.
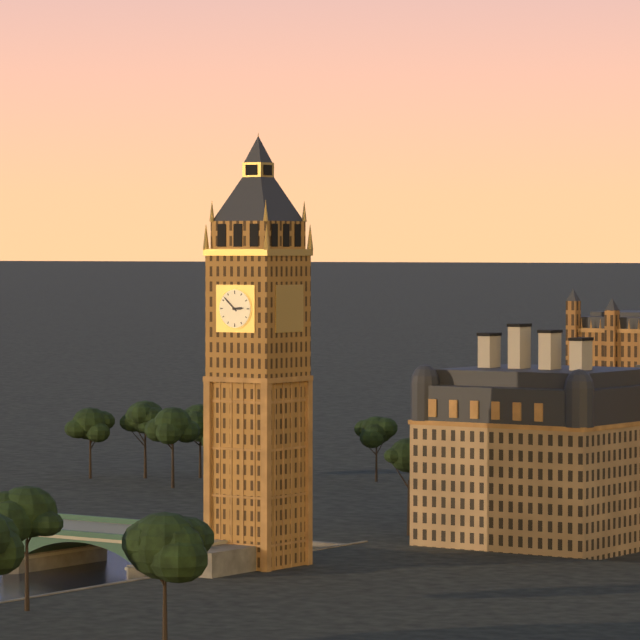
2:52
